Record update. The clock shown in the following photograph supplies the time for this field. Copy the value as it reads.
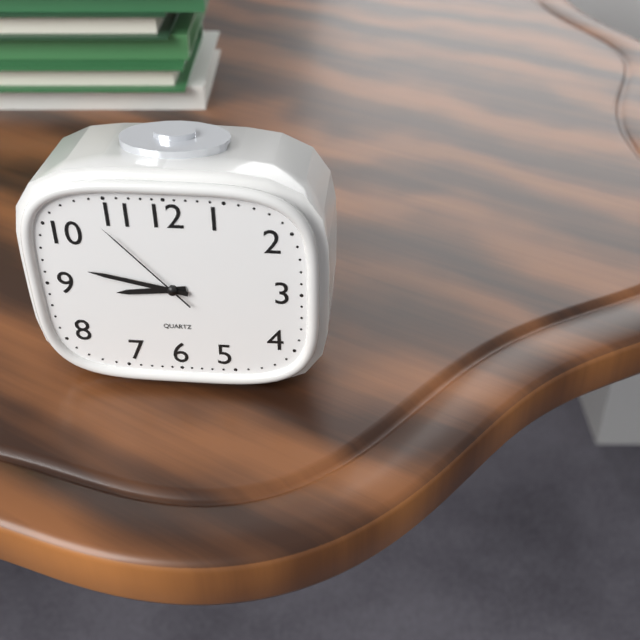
8:47:53
